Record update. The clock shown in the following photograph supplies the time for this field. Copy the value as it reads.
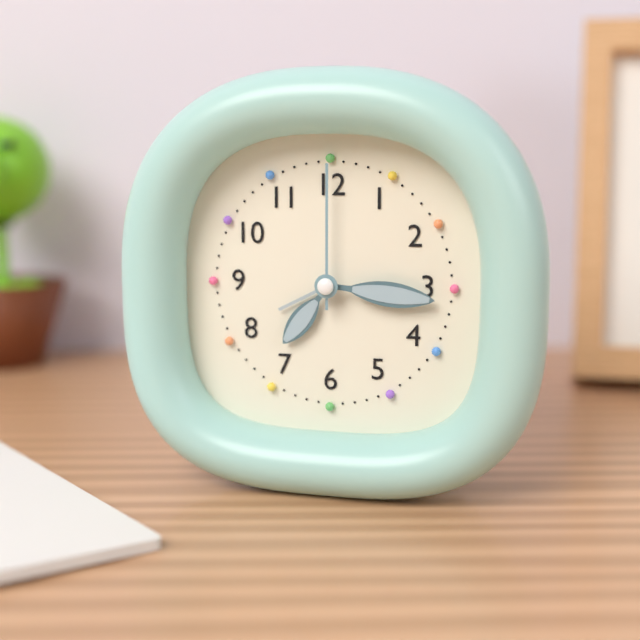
7:16:00
